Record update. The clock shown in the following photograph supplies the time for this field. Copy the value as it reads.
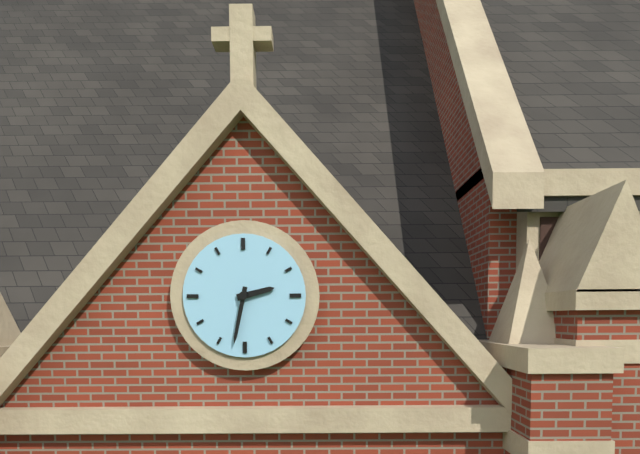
2:32
